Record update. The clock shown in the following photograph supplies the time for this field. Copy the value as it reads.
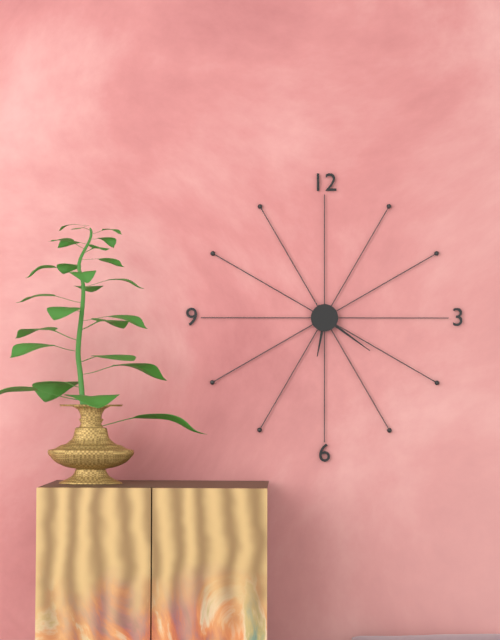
6:21
